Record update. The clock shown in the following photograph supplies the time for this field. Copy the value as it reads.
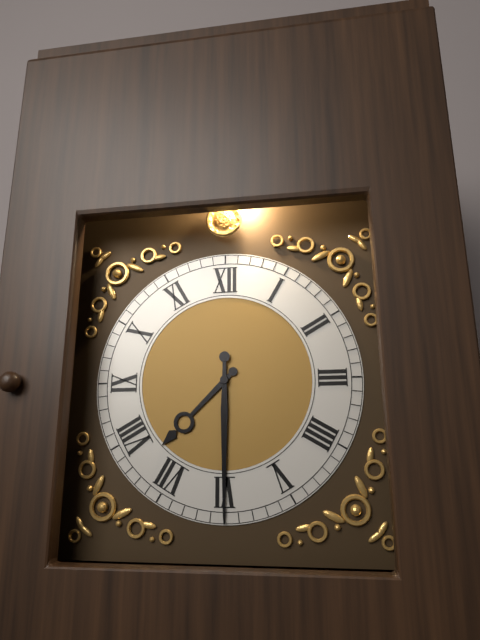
7:30
